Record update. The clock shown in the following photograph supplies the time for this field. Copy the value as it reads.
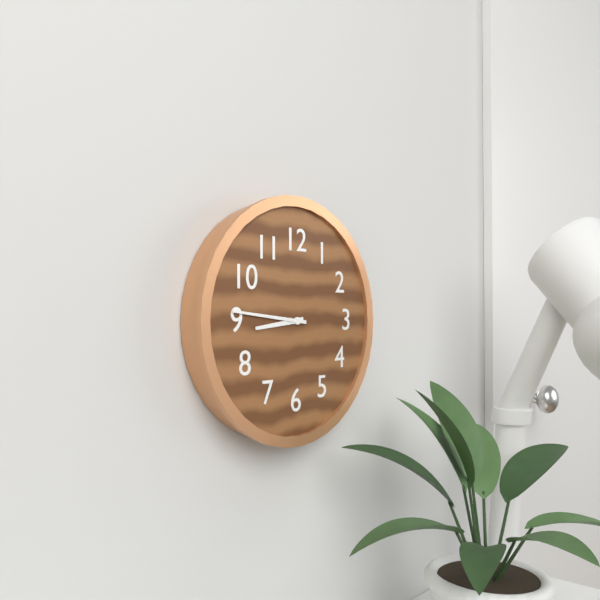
8:46
